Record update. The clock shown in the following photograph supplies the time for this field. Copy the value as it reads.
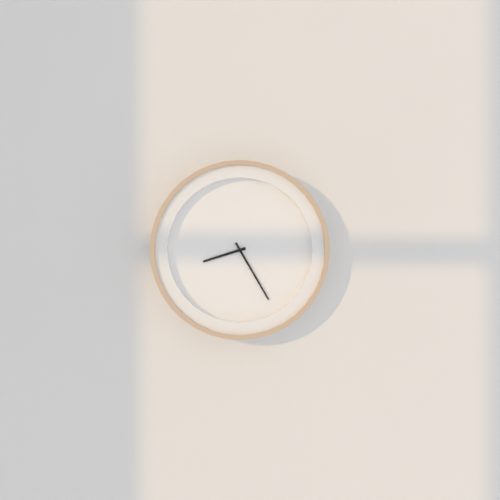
8:25
